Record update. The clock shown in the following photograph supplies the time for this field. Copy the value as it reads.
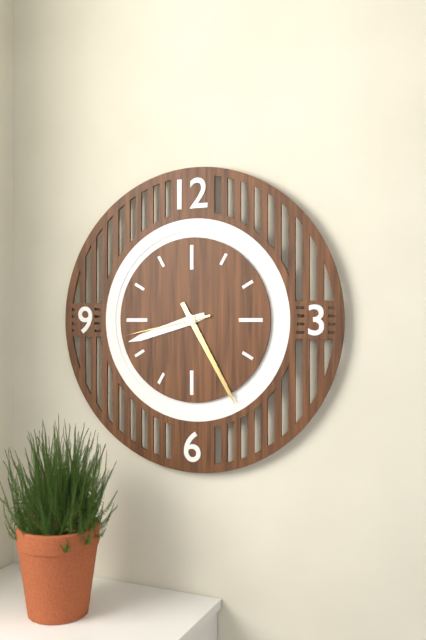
8:25:43
